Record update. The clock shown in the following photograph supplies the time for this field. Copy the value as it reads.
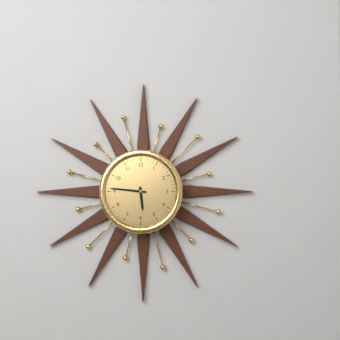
5:46
